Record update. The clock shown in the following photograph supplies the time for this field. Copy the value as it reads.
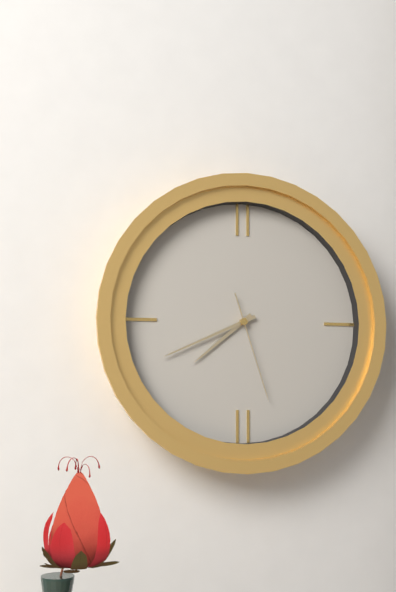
7:41:27
